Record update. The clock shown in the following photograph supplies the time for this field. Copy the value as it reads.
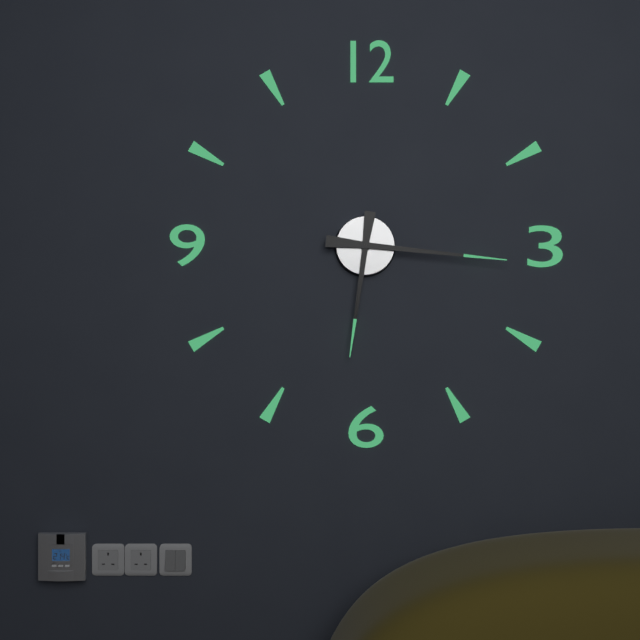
6:16
